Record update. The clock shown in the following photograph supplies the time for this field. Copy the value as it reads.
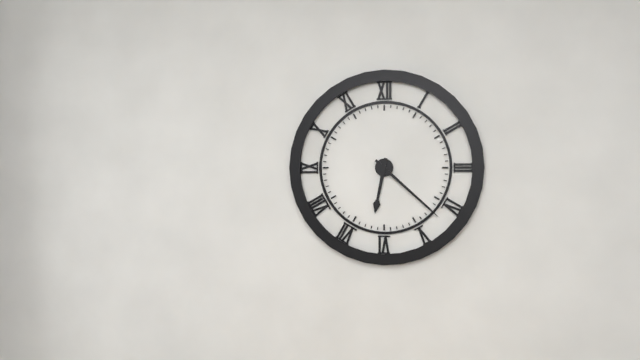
6:22
